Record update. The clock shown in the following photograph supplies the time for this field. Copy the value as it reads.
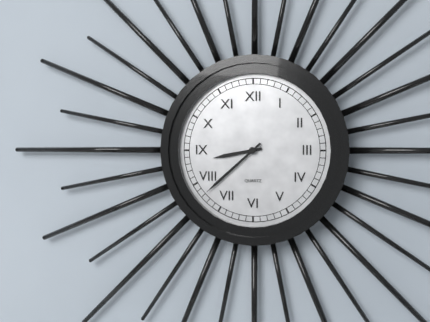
8:38
